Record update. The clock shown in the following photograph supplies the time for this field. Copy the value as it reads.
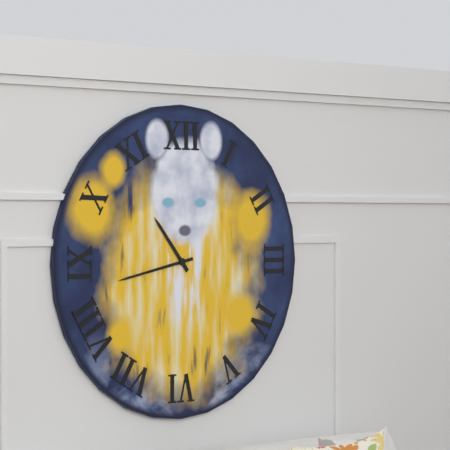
10:43
